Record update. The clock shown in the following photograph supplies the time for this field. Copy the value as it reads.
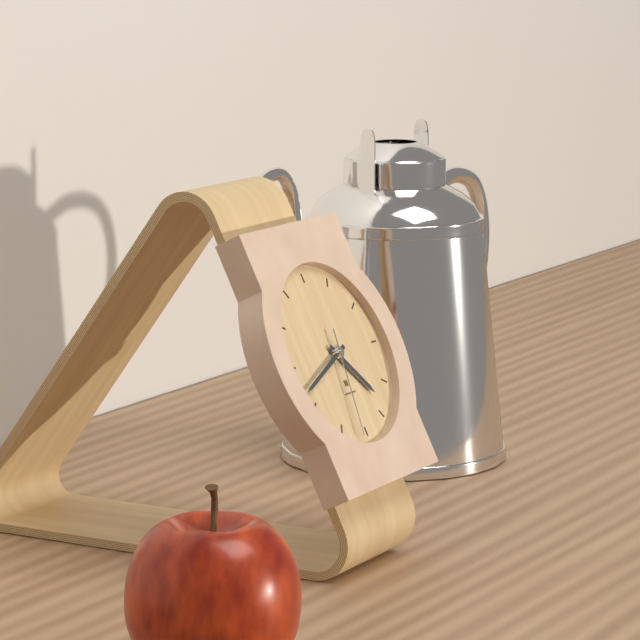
4:42:32
